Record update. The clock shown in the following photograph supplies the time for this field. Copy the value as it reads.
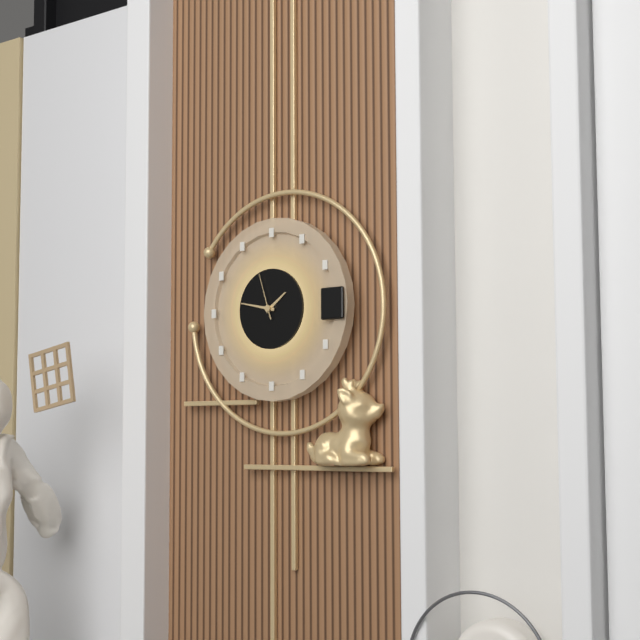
1:47
